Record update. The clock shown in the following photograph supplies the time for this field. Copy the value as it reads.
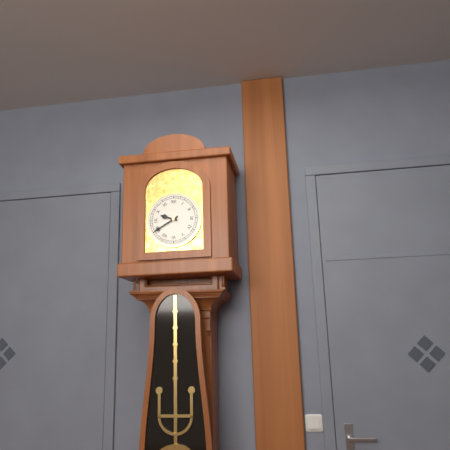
9:40
